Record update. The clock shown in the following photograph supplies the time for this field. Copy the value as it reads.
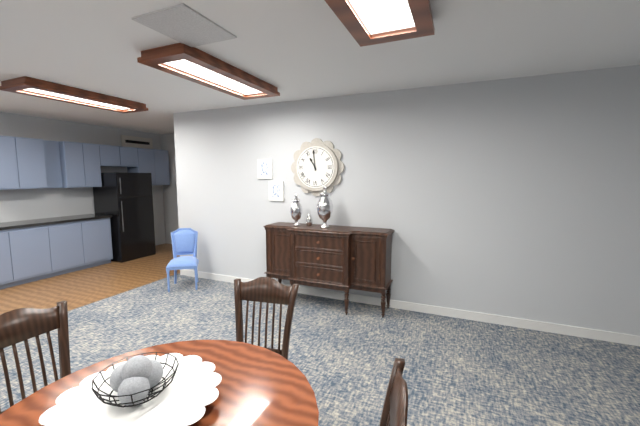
10:59
